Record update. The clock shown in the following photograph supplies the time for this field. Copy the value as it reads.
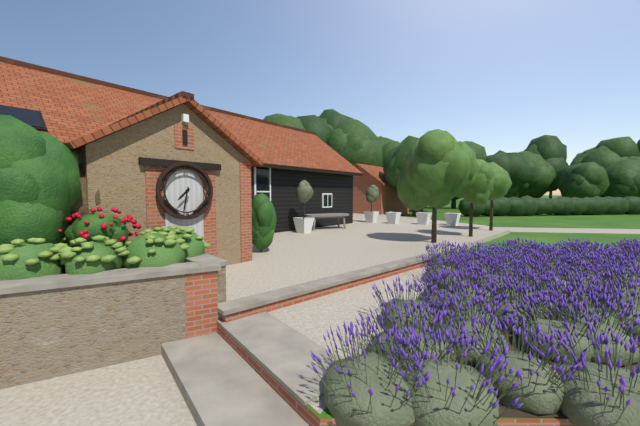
7:32
